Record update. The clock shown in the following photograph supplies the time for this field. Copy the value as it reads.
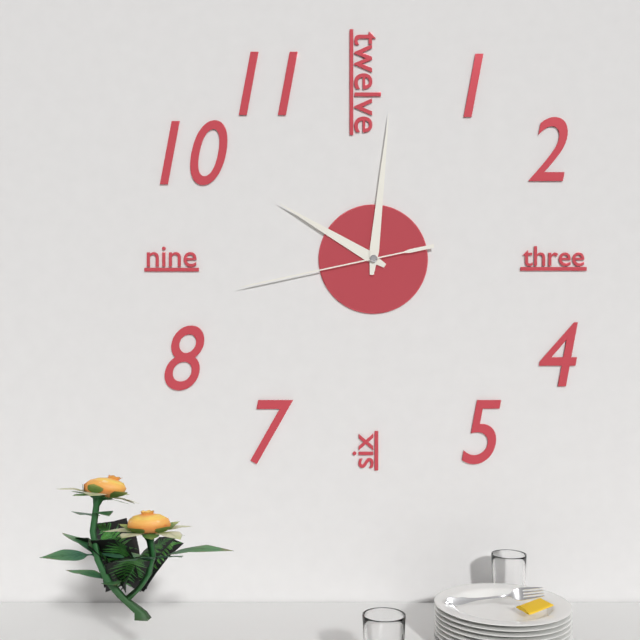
10:01:43
